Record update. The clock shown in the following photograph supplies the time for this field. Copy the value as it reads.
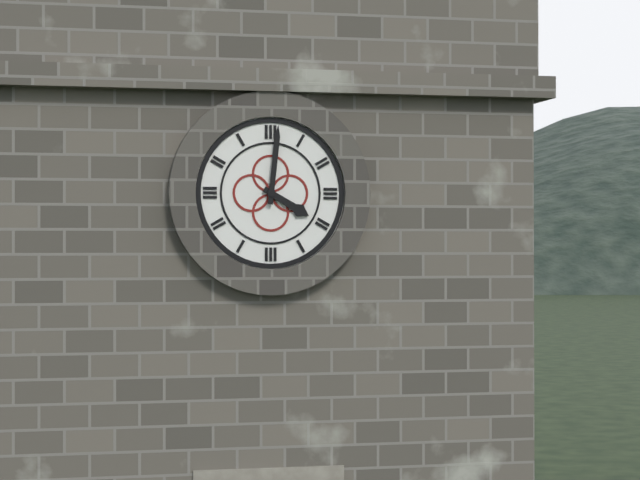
4:01
